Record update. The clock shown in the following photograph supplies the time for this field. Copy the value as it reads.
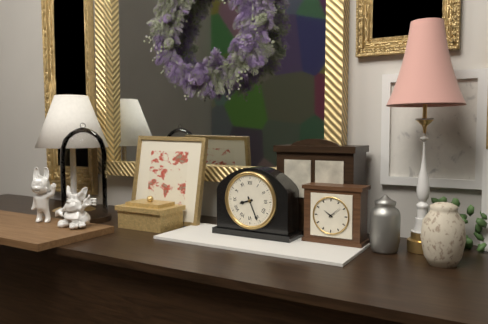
8:26
